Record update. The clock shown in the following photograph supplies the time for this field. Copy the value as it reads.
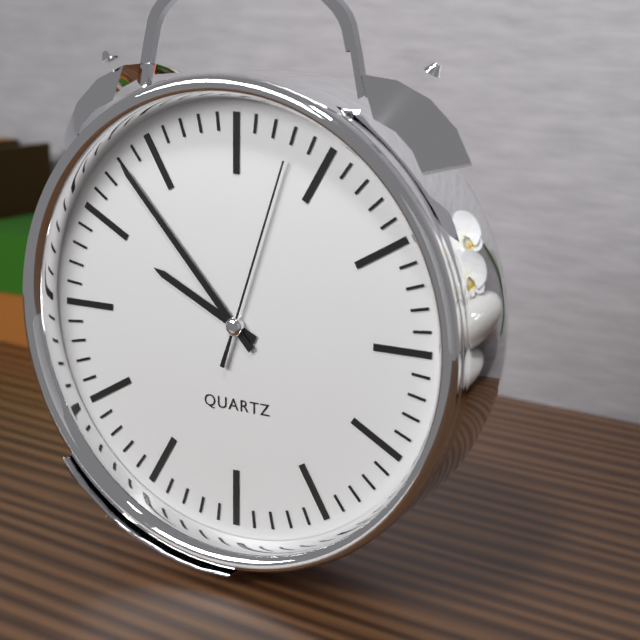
9:53:03
